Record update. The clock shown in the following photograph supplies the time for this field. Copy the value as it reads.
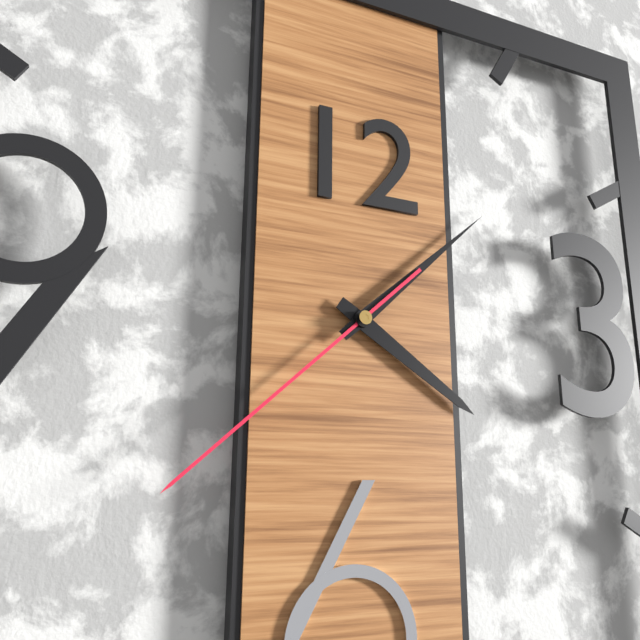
4:08:38
